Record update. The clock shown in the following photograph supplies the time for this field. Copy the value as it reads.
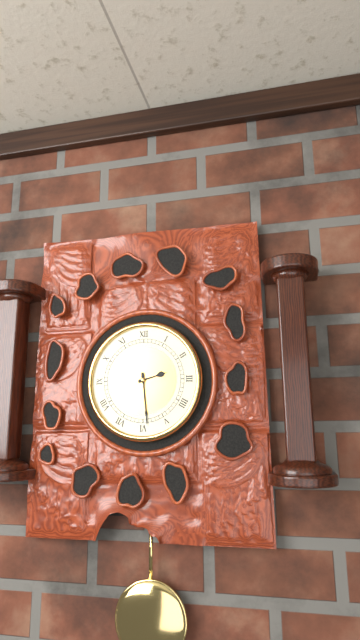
2:29
